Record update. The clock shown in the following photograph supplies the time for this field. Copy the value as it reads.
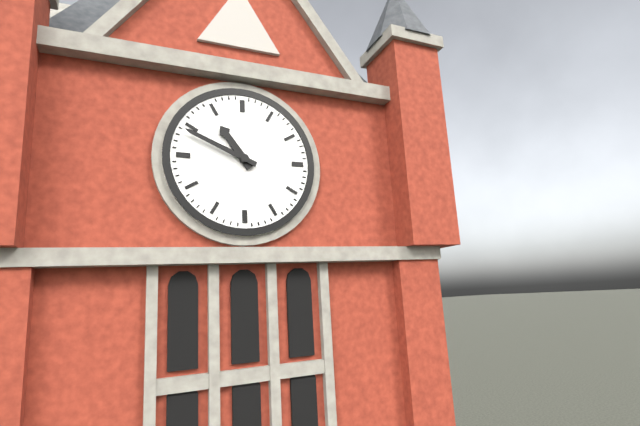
10:49
